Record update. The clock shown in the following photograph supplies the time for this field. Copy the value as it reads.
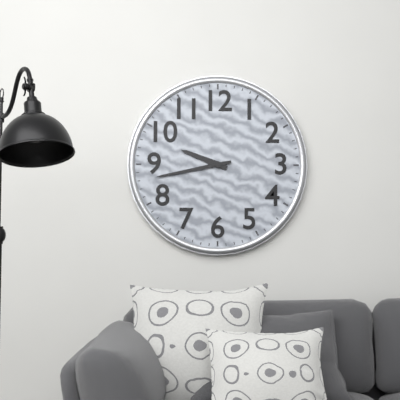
9:43
